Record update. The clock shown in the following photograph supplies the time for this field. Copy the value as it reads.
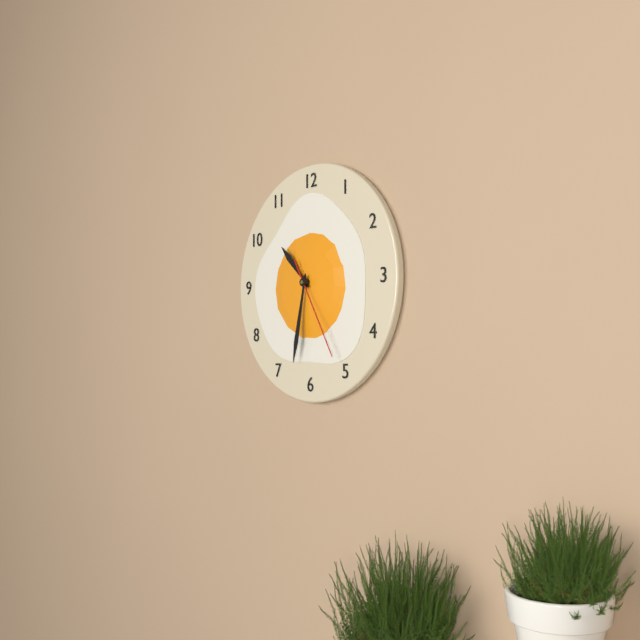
10:32:25
